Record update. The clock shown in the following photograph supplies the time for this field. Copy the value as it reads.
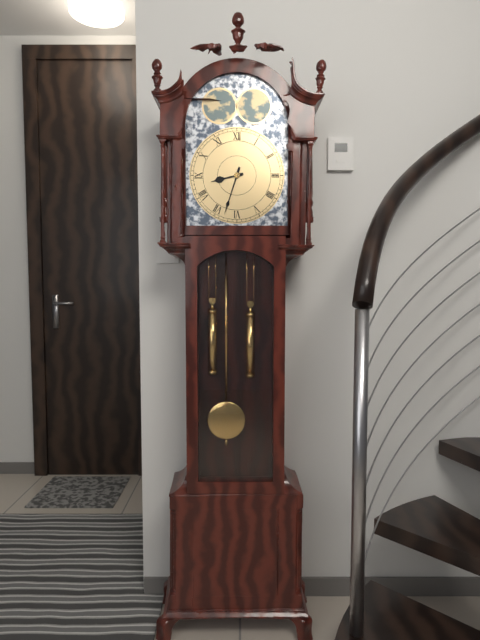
8:33
